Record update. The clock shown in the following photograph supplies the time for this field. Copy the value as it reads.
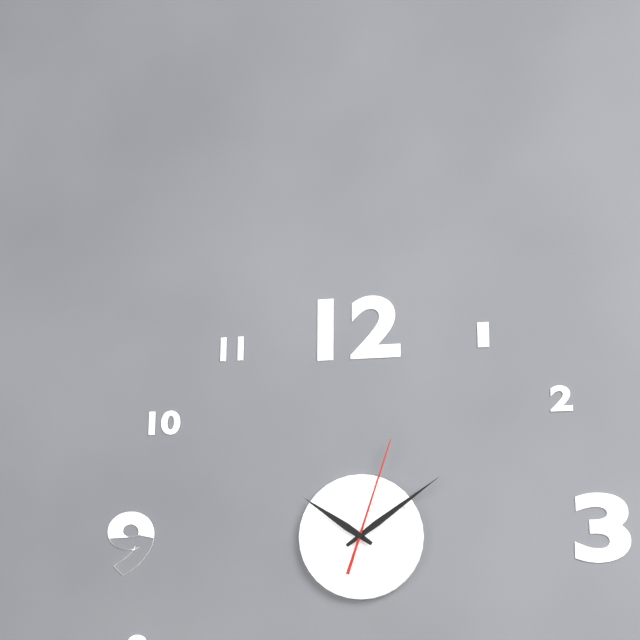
10:09:03
